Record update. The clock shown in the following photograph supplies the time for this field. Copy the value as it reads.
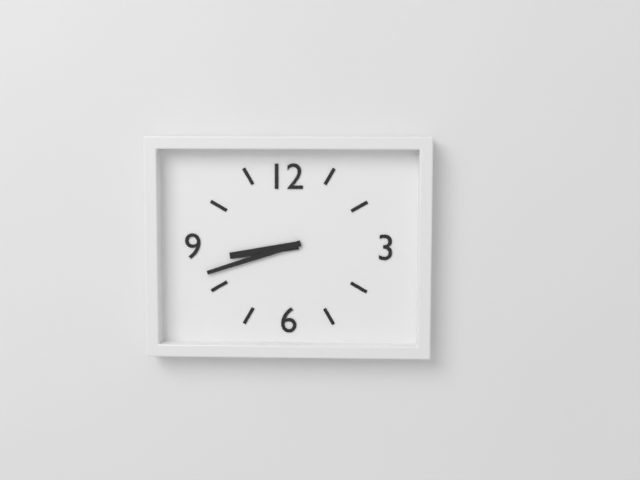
8:42
